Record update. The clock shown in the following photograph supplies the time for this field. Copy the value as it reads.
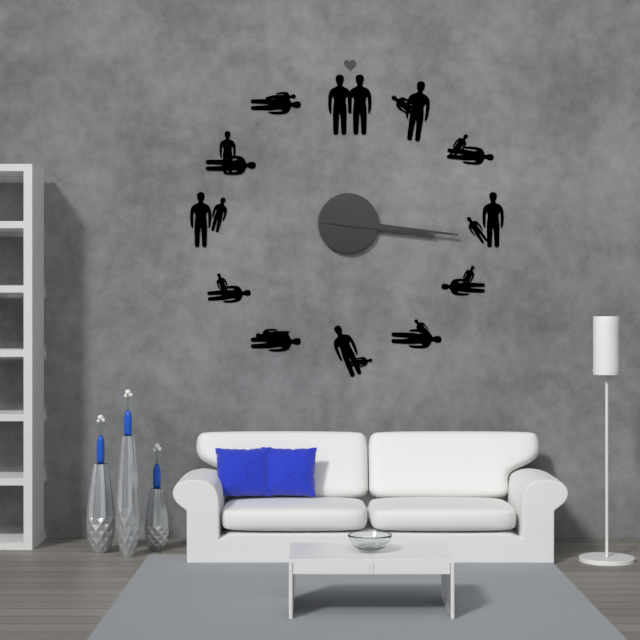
3:16
